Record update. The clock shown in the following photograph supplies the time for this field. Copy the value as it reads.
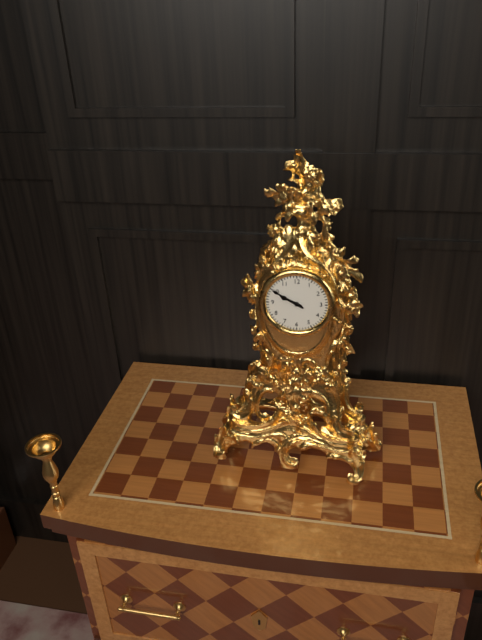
9:50
